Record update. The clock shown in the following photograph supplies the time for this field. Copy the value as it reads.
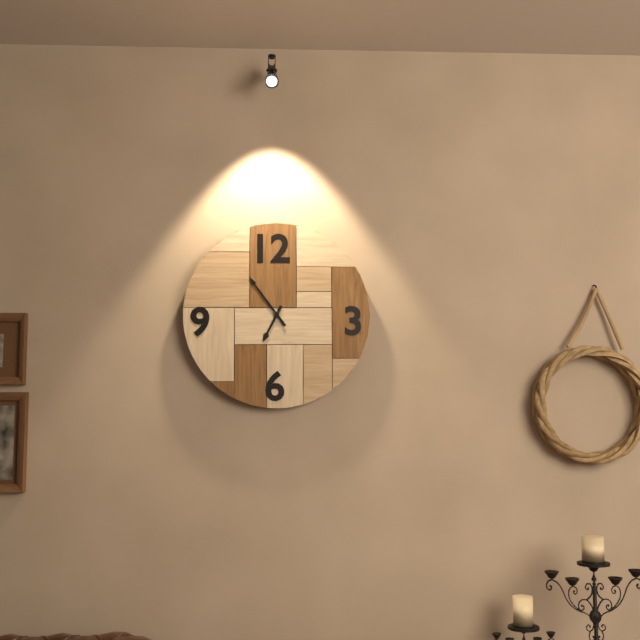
6:54
